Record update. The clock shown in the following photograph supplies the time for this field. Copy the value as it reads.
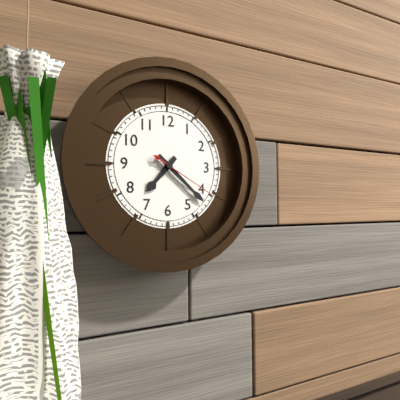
7:22:20
